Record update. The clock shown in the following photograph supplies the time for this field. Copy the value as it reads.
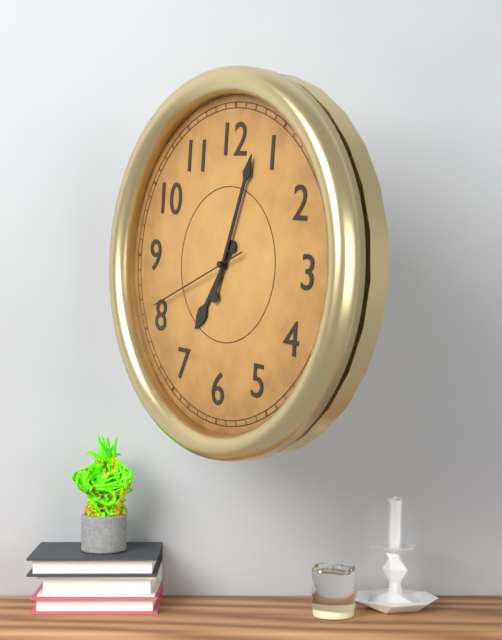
7:03:41
